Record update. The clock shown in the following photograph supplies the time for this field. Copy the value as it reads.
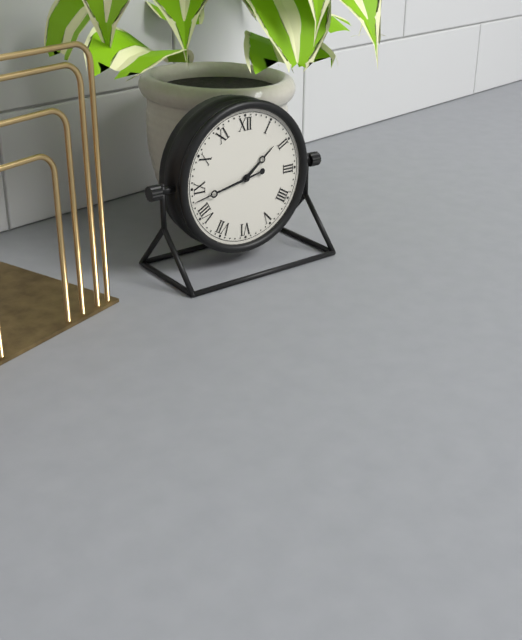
1:43
